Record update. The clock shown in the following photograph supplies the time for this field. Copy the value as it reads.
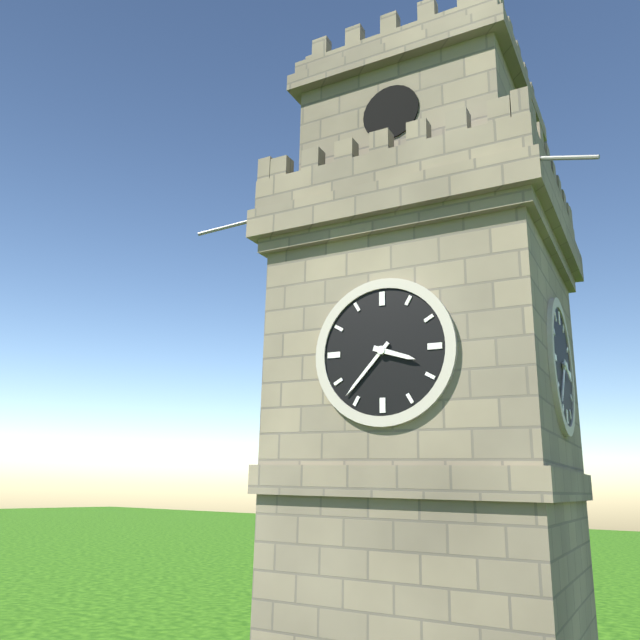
3:37
